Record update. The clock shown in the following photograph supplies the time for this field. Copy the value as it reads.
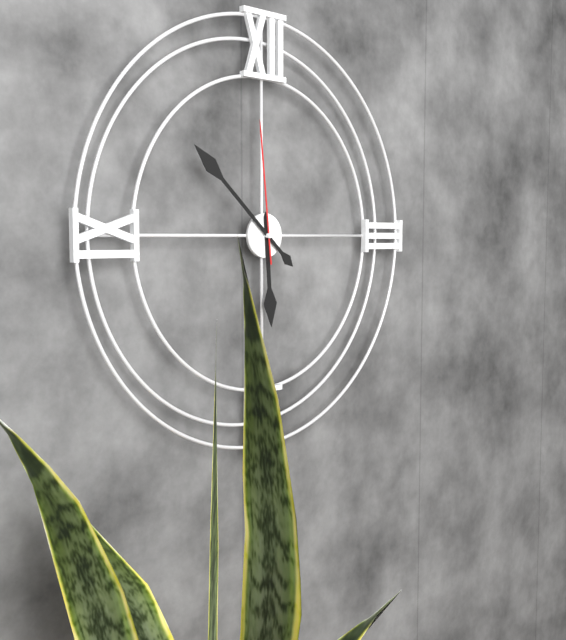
5:52:59
